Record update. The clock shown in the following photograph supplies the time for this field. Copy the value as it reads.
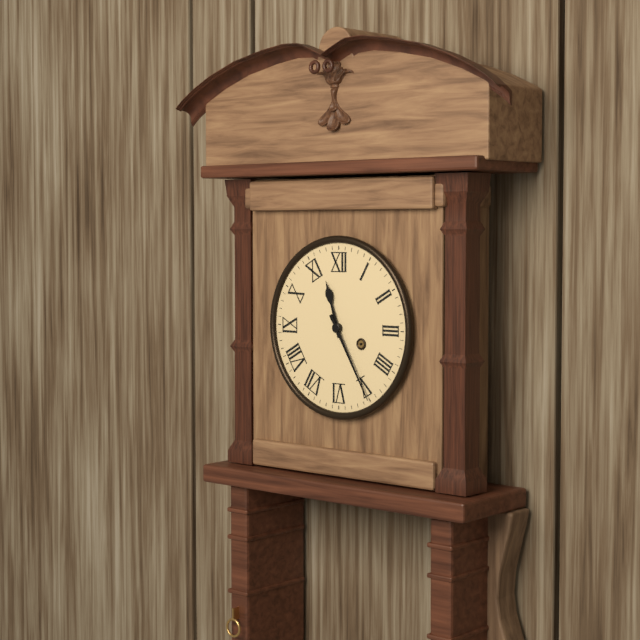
11:25
